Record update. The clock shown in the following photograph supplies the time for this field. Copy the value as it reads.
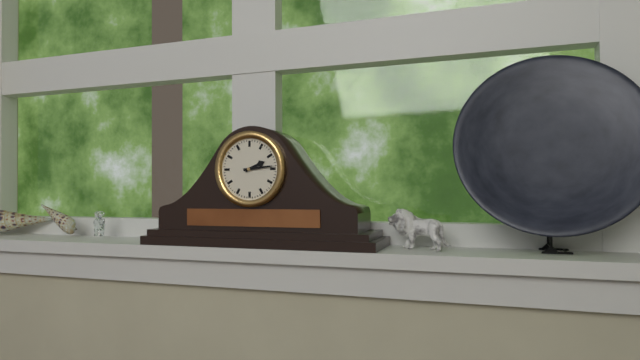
2:14
